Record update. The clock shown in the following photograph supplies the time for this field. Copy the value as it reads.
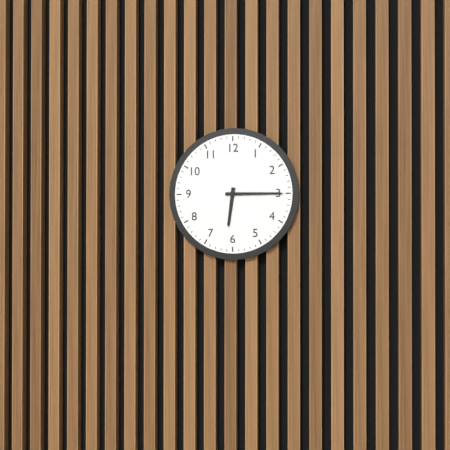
6:15
